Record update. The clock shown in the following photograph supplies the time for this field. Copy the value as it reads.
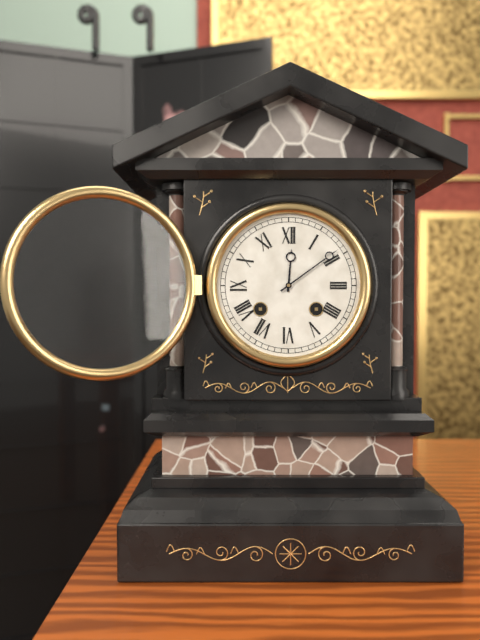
12:09
